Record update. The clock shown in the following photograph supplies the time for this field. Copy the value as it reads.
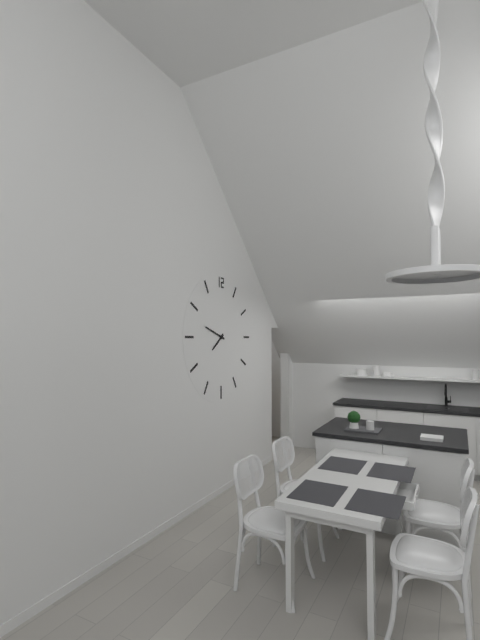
7:48
